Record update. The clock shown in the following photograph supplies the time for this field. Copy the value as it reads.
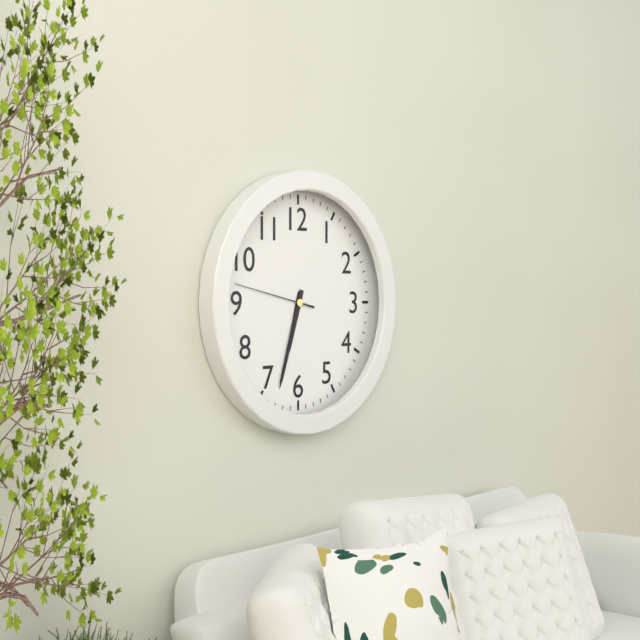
6:33:47
